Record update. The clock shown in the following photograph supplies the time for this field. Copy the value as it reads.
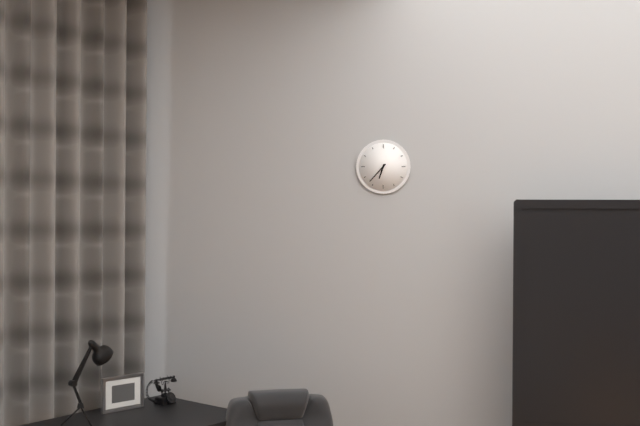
6:37
